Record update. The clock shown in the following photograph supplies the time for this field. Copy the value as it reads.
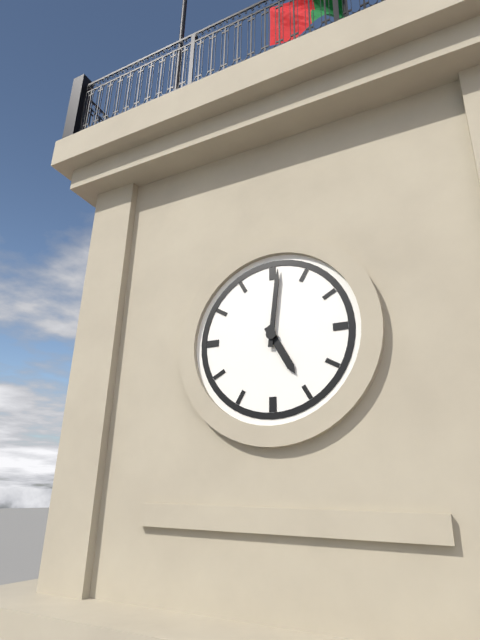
5:01
